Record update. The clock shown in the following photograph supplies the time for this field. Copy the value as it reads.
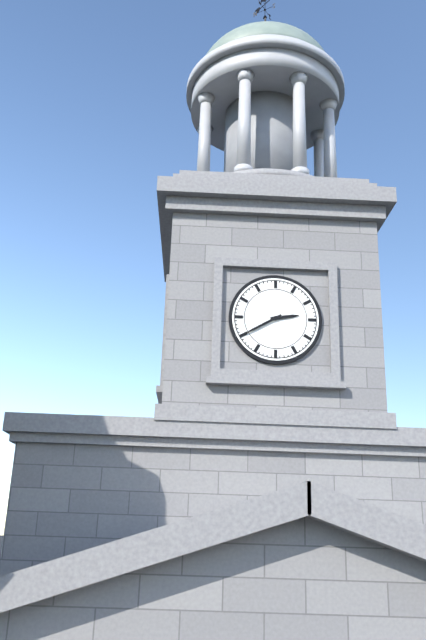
2:40
